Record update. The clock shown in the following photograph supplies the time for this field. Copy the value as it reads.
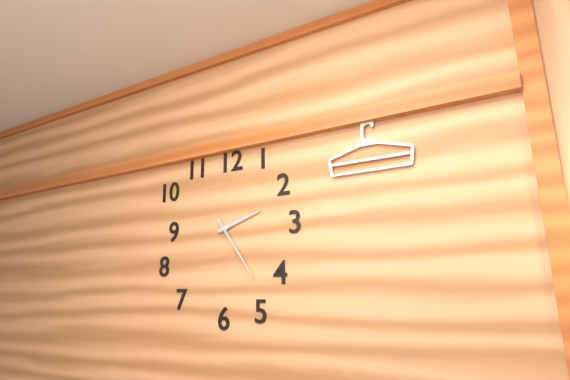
2:24
